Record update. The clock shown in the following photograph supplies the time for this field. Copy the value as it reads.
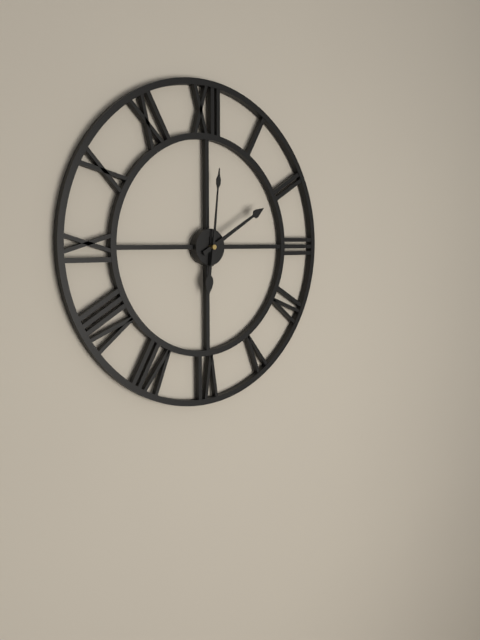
6:10:01
